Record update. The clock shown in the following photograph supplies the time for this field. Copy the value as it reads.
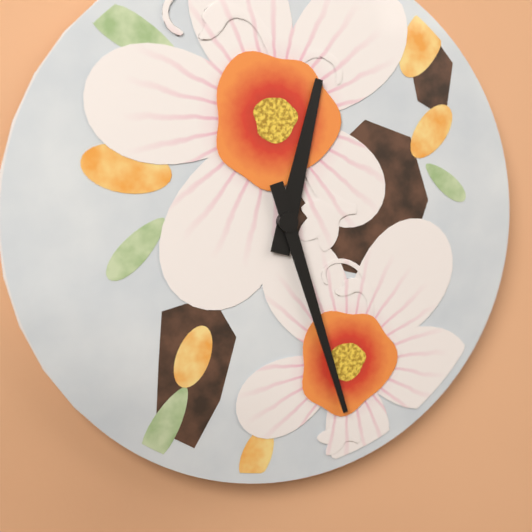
12:27
